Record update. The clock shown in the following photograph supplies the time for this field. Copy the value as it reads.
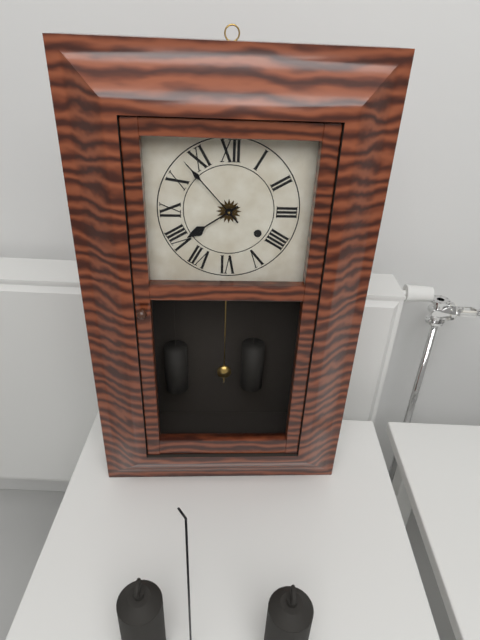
7:53
